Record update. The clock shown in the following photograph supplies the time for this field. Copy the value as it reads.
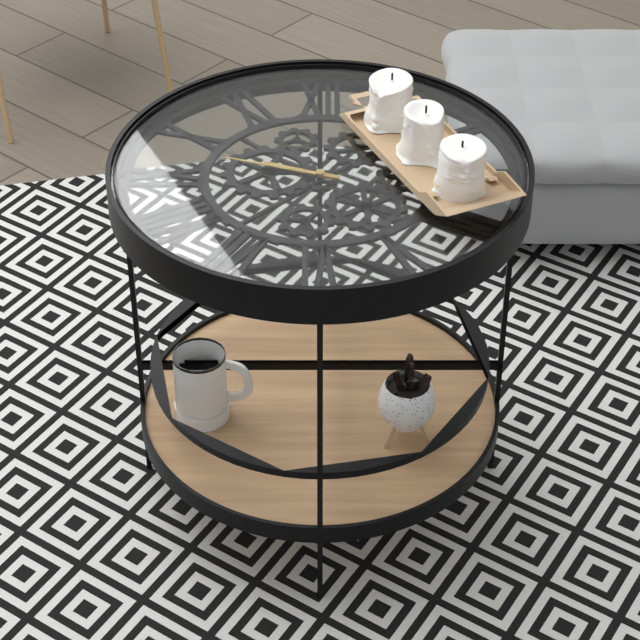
9:48
